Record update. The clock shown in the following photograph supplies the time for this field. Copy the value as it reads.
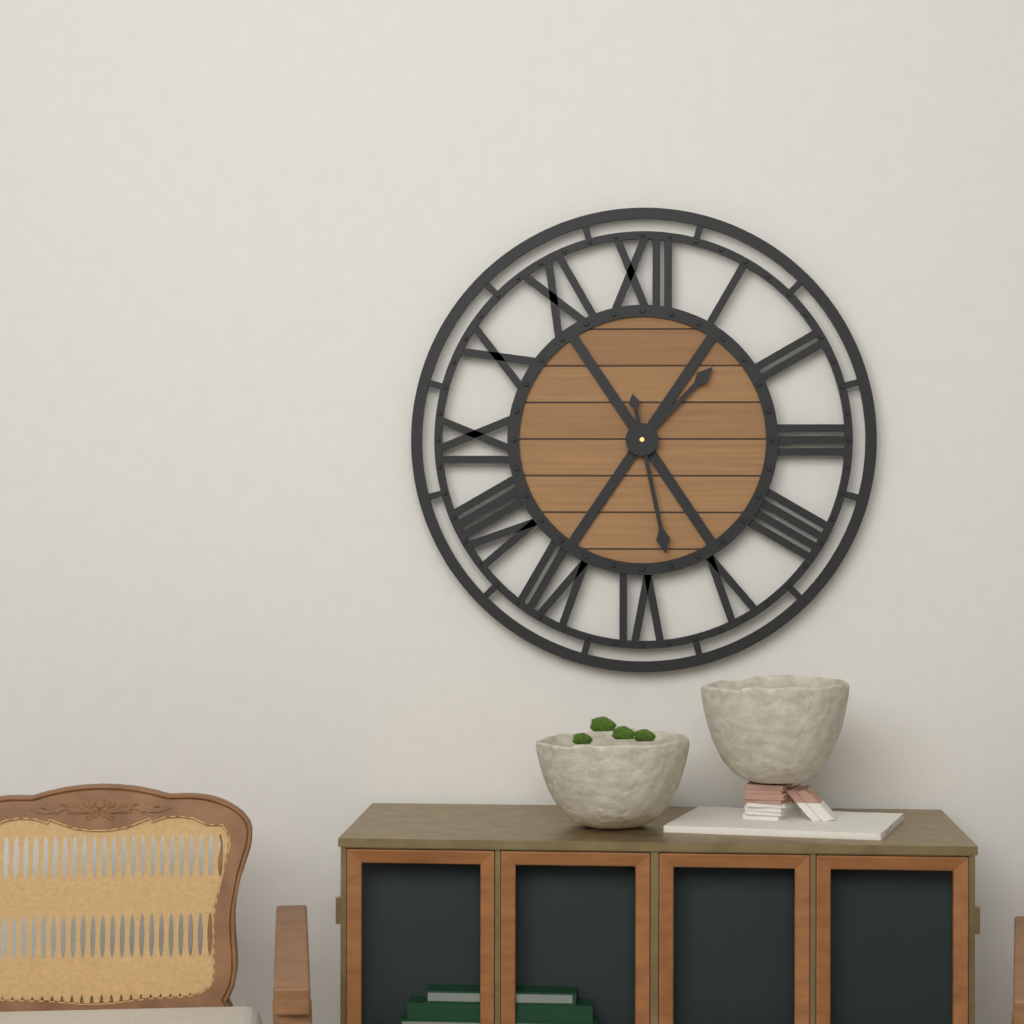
1:28
